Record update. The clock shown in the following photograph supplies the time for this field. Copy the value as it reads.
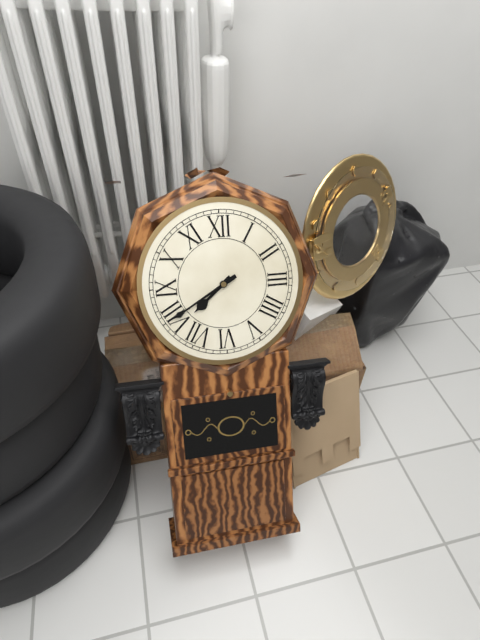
7:40
